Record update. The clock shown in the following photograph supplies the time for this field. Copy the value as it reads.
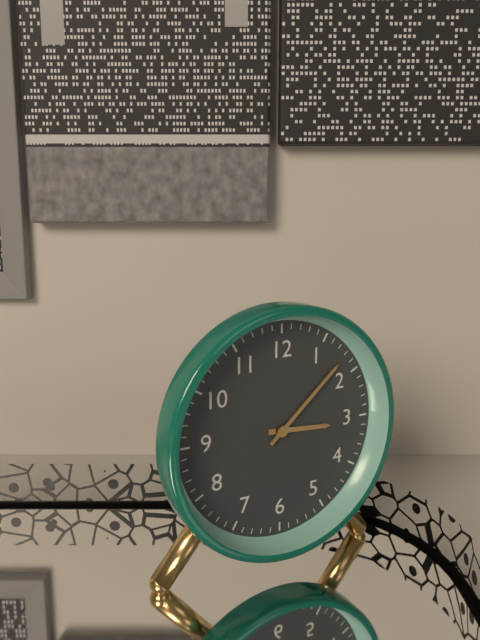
3:08
